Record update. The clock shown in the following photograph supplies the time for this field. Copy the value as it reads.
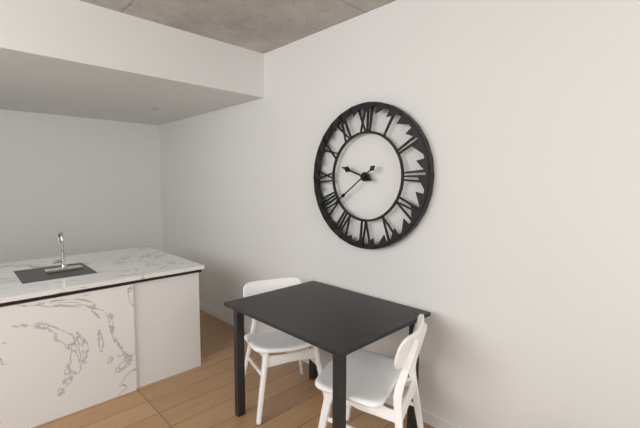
9:39
